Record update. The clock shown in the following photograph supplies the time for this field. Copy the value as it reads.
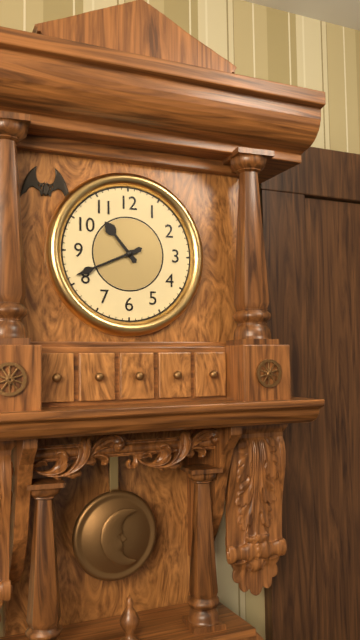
10:41
